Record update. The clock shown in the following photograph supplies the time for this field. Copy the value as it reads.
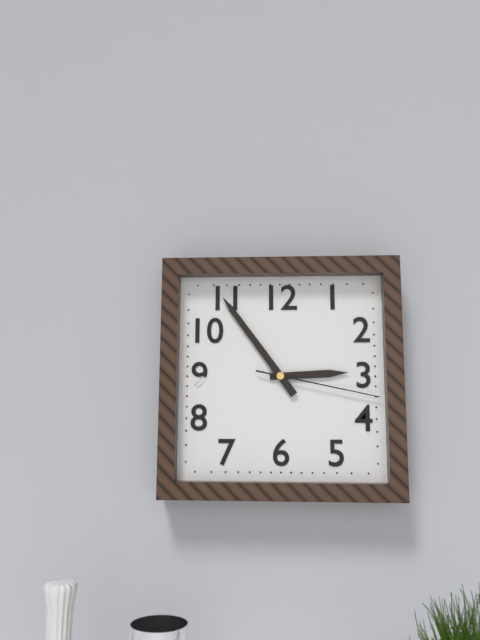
2:54:17
